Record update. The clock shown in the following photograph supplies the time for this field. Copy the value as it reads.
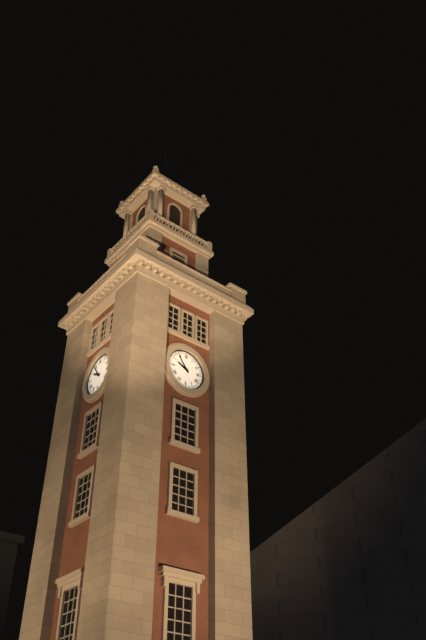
9:54
